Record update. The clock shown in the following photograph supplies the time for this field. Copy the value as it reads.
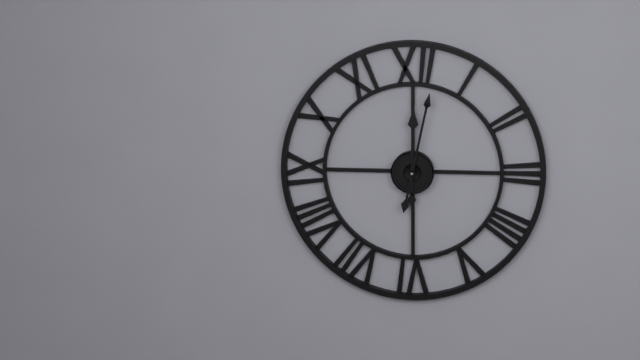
12:02
